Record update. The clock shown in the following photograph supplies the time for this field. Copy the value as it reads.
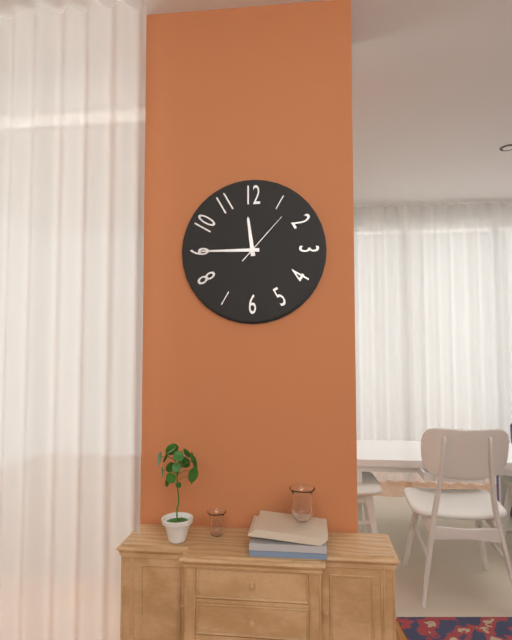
11:45:07
